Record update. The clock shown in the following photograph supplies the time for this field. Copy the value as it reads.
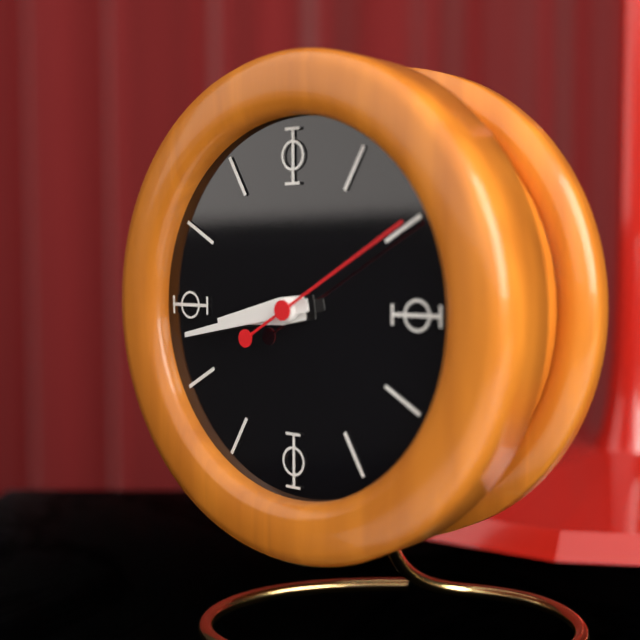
8:43:10
